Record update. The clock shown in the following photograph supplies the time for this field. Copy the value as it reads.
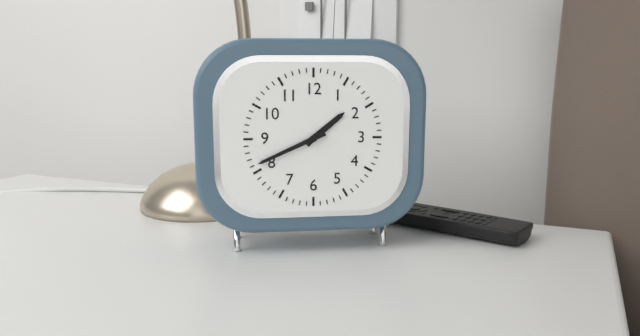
1:41
